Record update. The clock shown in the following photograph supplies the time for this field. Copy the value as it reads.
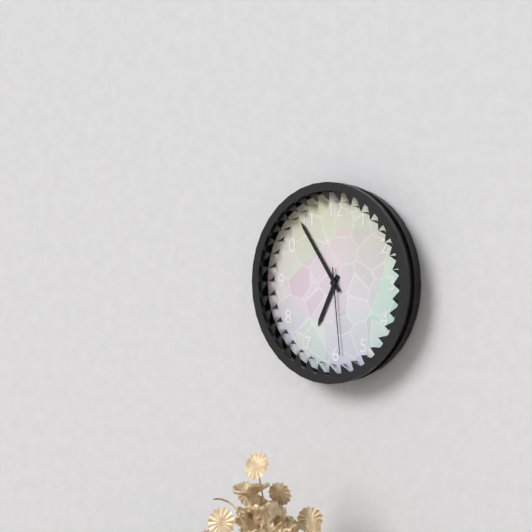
6:54:29
